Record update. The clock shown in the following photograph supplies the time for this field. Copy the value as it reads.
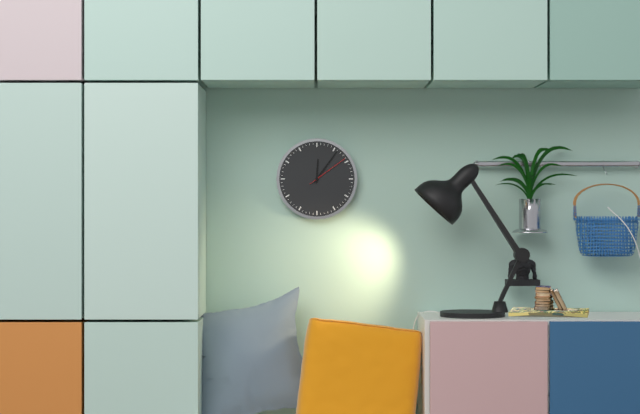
12:06
